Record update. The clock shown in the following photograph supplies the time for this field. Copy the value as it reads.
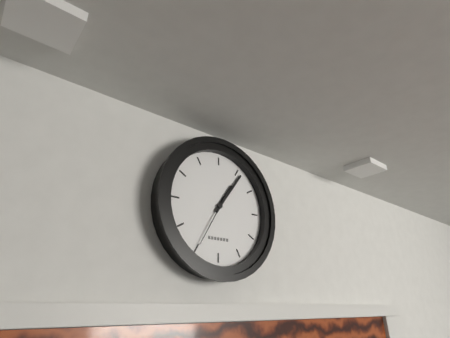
1:06:35
